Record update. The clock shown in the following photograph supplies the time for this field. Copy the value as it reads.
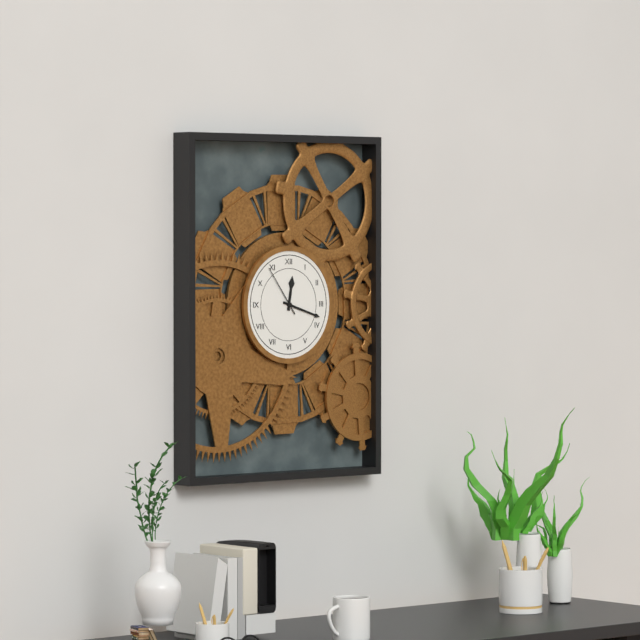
12:18:54
